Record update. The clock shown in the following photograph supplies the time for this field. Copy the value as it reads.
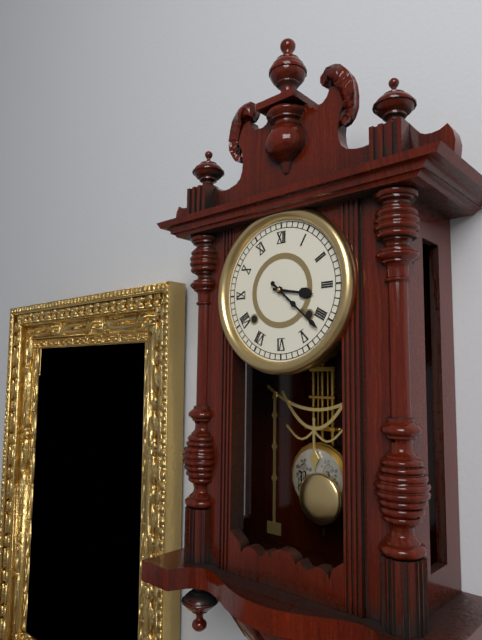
3:22
